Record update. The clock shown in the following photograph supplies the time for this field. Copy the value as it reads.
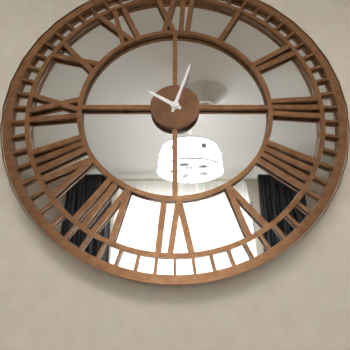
10:03
